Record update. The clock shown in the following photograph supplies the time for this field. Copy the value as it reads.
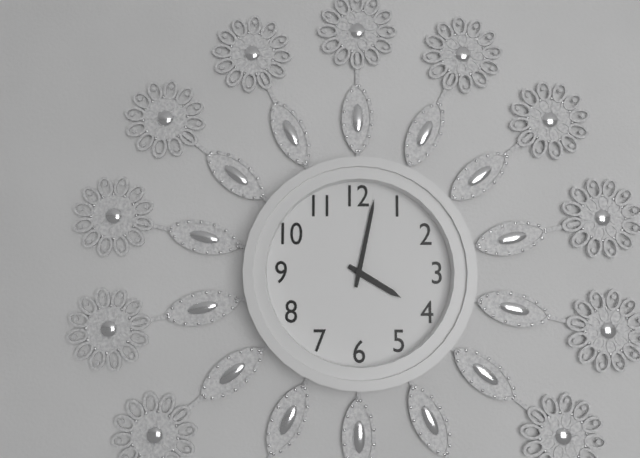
4:02
